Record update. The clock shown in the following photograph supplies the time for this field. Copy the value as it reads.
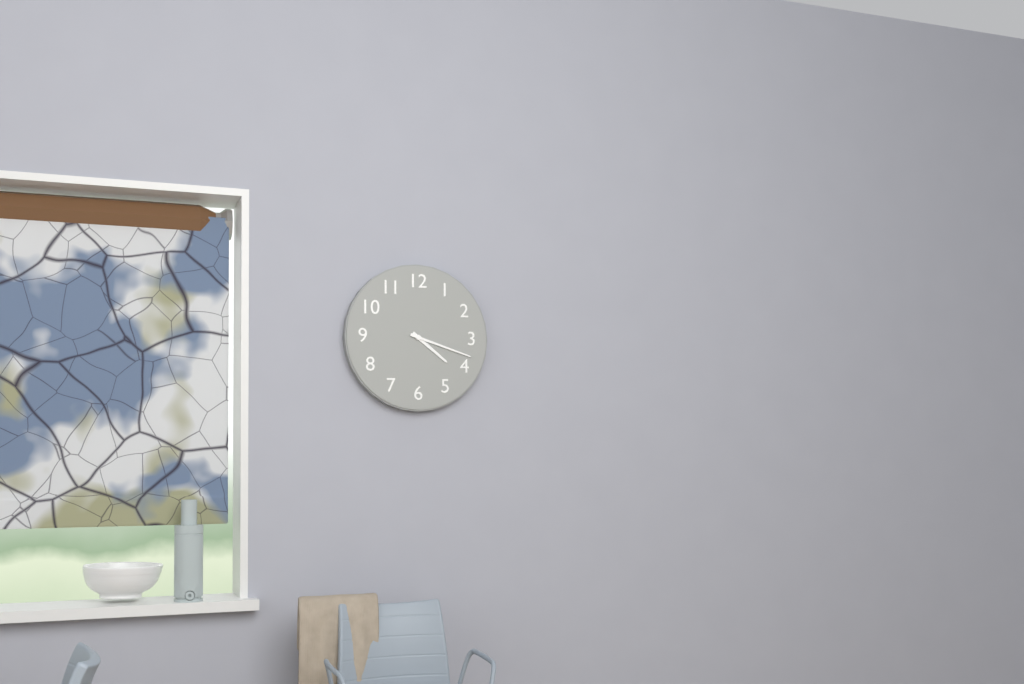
4:18
